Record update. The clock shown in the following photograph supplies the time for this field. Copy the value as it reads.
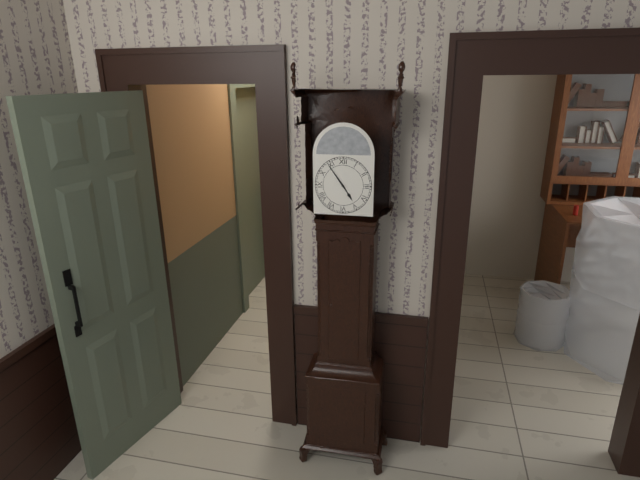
4:54
